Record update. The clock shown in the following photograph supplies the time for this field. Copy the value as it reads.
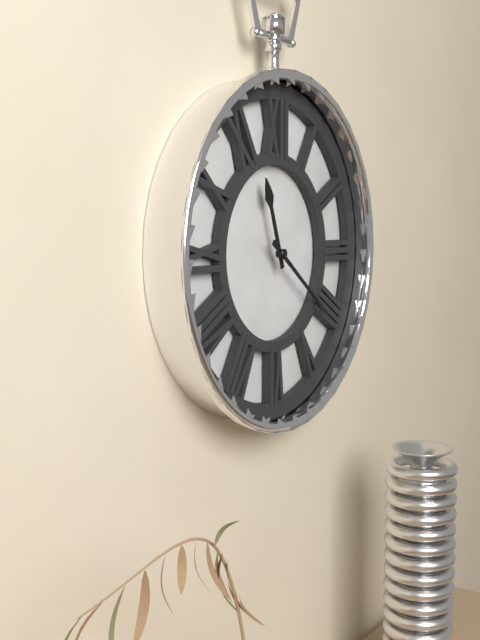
11:21
